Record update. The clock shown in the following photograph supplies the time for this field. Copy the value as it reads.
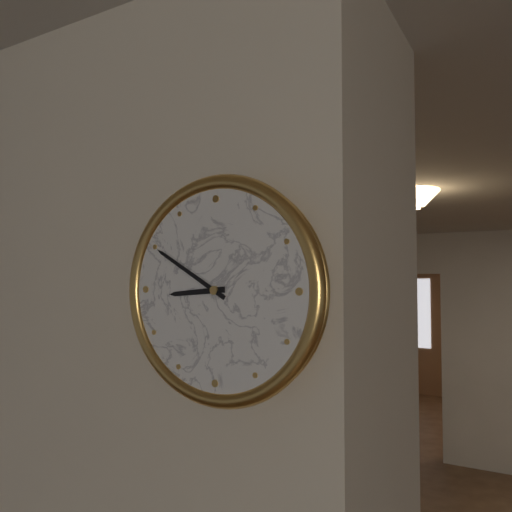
8:50
